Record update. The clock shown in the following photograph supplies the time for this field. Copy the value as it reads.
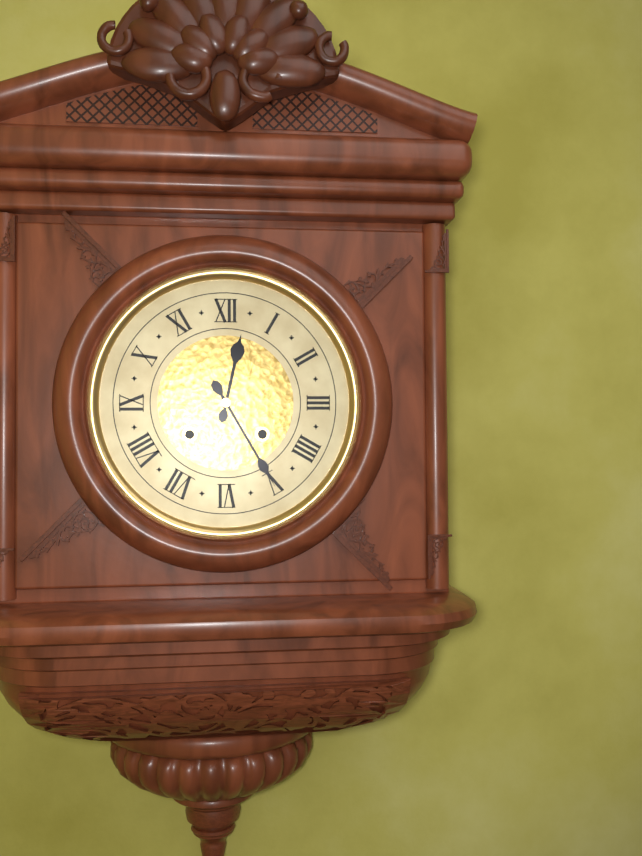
12:25
